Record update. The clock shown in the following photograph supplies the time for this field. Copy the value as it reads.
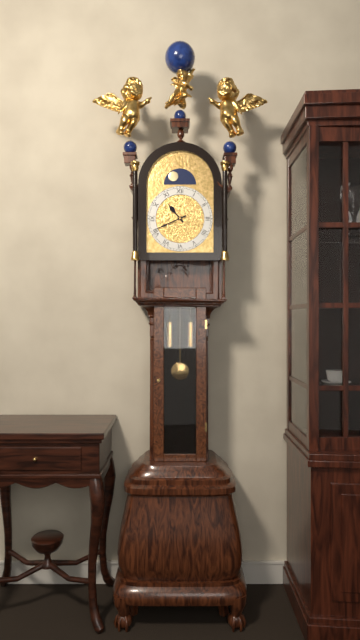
10:41
